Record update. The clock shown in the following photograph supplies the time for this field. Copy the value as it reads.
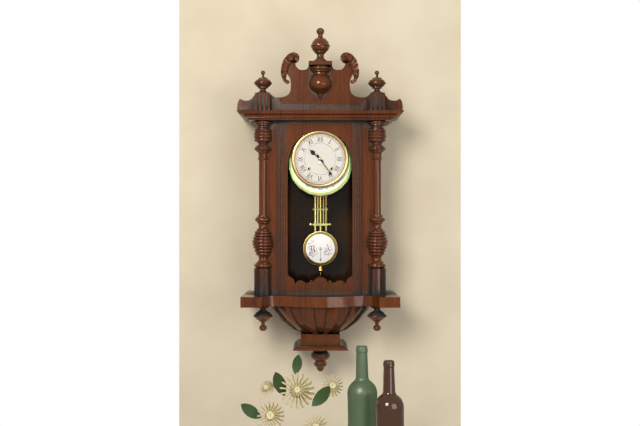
10:24
